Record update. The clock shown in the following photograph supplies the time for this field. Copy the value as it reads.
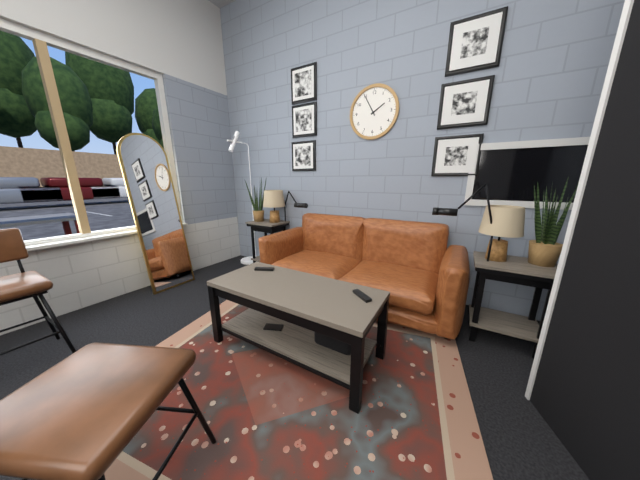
1:55
